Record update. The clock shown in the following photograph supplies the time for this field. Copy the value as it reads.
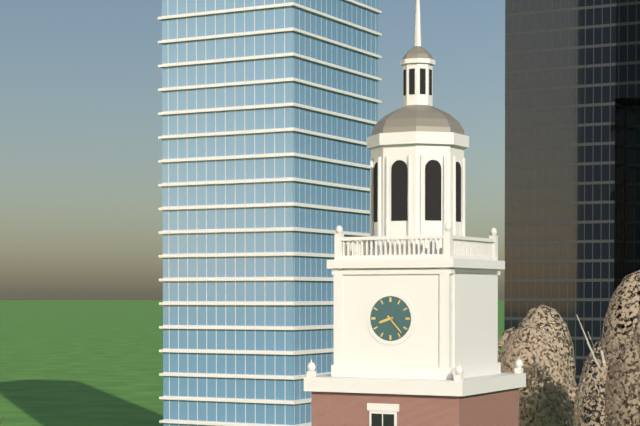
8:23
